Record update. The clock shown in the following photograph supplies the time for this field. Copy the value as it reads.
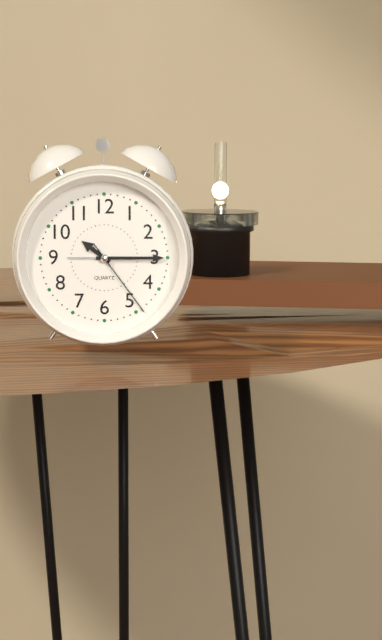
10:15:24
